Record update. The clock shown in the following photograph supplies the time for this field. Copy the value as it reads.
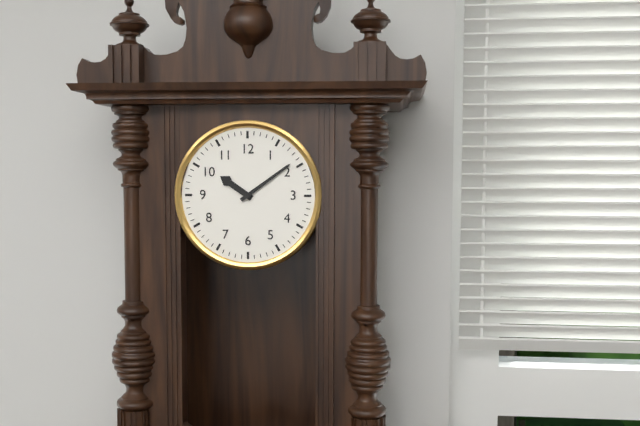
10:09
